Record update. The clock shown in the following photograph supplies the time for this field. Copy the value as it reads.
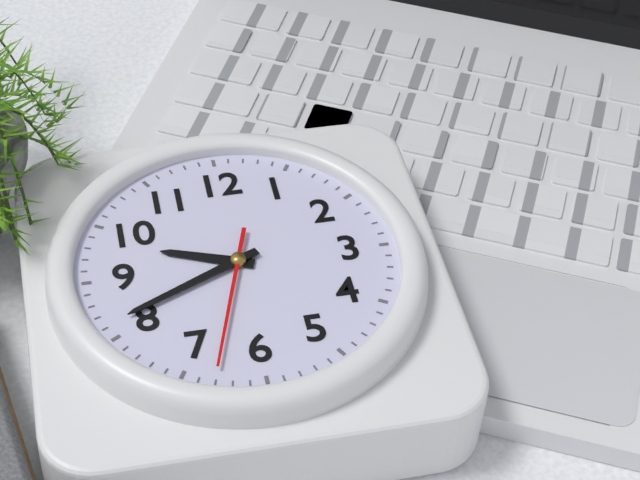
9:41:33
